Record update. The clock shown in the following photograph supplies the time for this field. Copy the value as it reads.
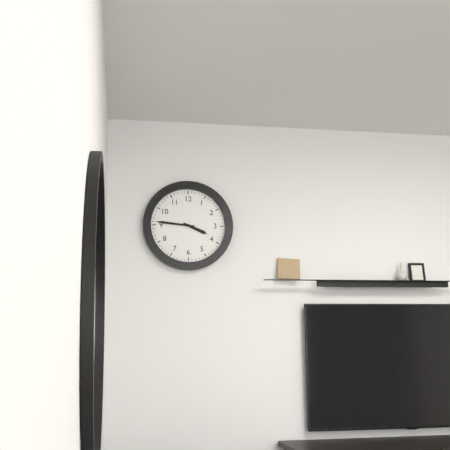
3:46
